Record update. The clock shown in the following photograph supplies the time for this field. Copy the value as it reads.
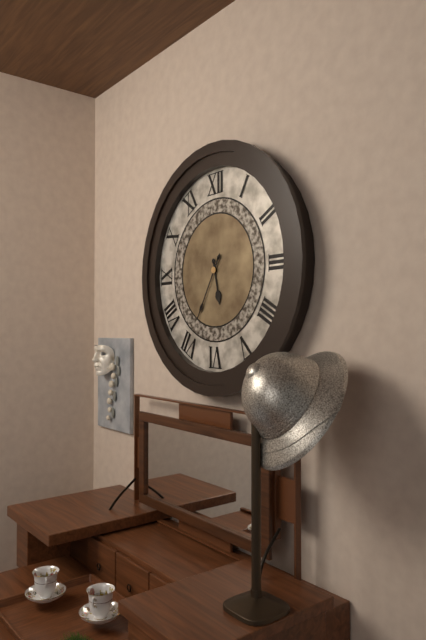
5:35
